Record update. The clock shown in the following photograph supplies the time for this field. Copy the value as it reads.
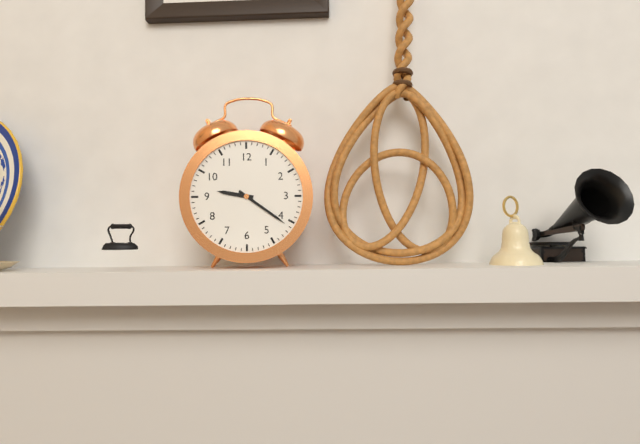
9:21
